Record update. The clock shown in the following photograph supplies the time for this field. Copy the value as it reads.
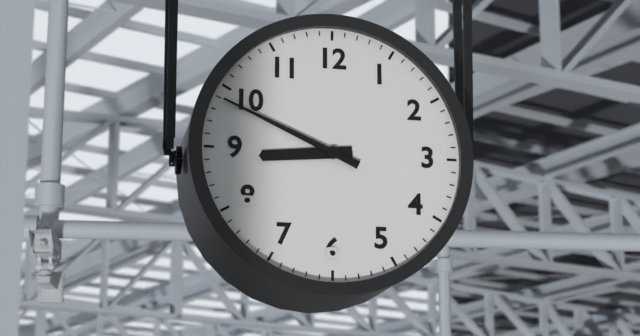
8:49
